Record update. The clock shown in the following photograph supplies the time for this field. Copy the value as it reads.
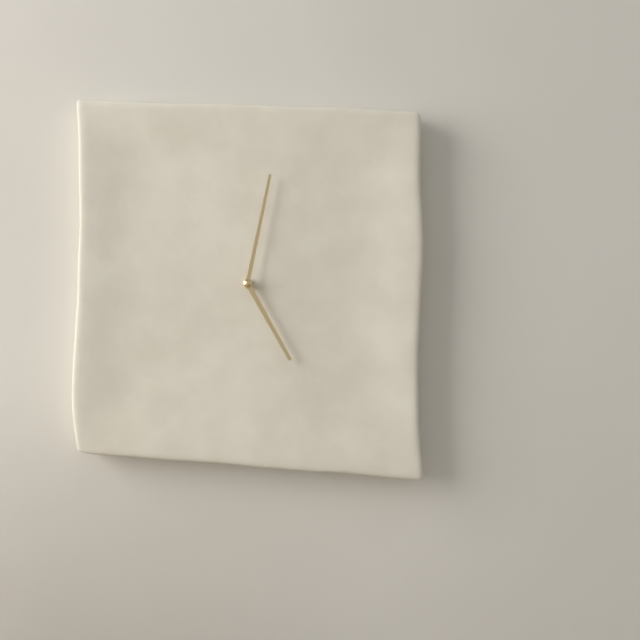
5:02
